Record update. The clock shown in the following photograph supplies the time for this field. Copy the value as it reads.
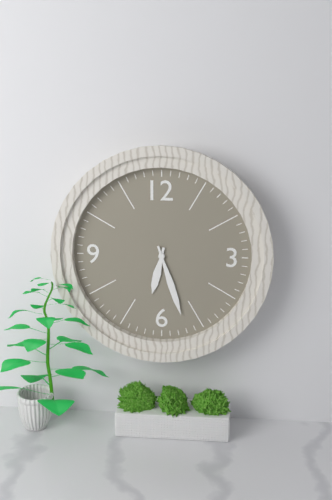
6:27
